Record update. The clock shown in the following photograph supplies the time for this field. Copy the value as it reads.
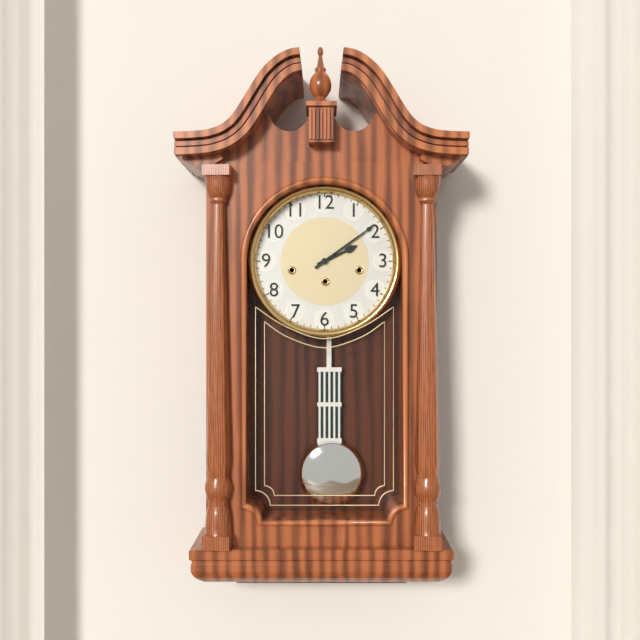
2:09
